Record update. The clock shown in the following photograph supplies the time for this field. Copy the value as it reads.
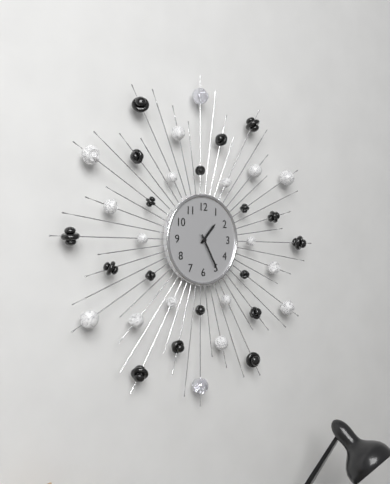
1:25
